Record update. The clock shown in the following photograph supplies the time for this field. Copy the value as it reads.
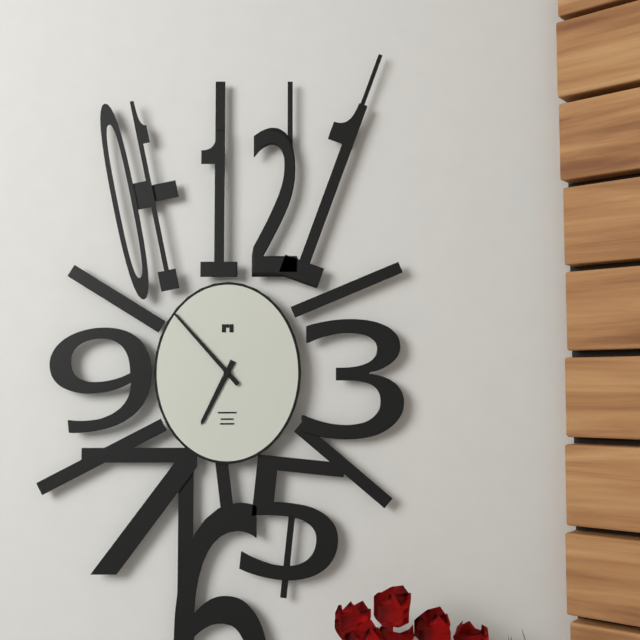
6:53
